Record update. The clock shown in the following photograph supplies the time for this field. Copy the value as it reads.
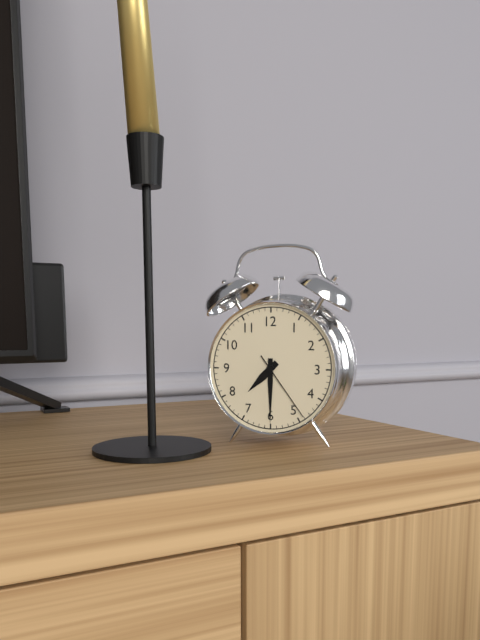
7:30:24
